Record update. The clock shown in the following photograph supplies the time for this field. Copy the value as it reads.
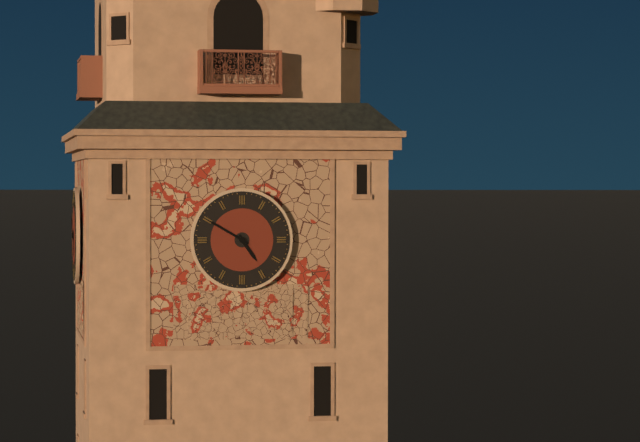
4:50
